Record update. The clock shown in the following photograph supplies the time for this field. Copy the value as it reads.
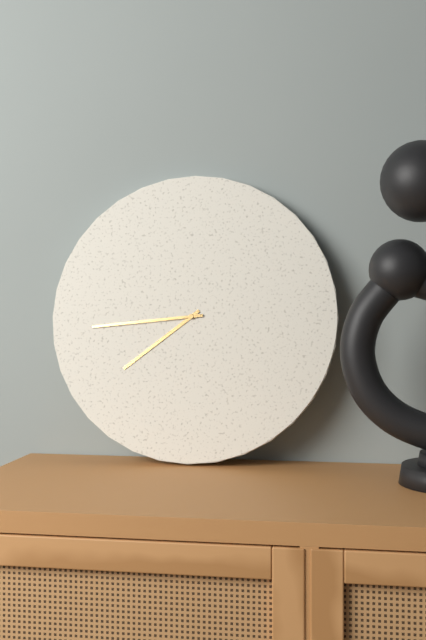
7:44
